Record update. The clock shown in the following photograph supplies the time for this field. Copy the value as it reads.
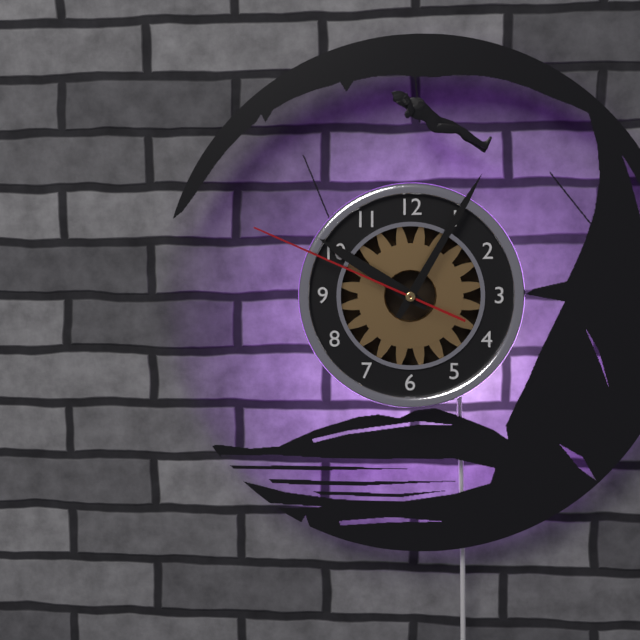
10:05:49
